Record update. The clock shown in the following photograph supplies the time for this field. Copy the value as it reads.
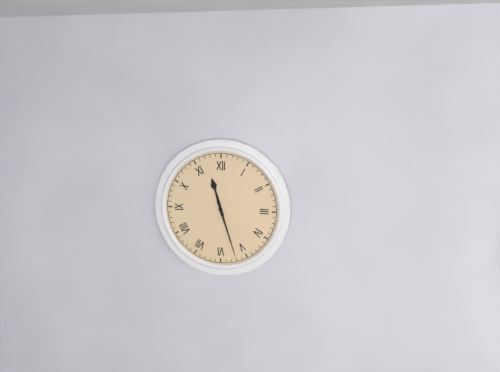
11:27
